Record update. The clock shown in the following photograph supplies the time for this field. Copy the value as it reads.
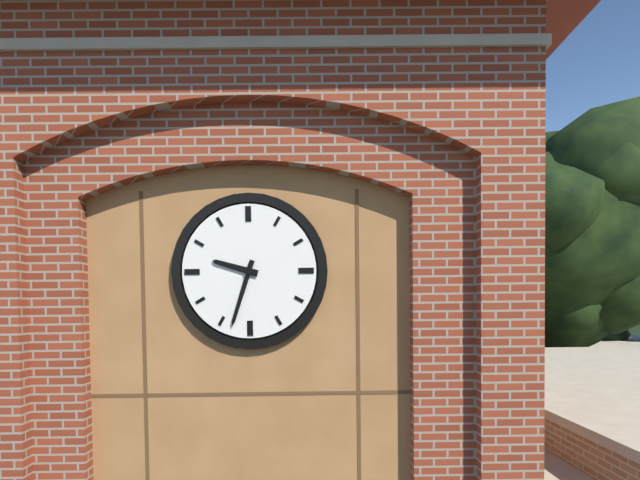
9:33
